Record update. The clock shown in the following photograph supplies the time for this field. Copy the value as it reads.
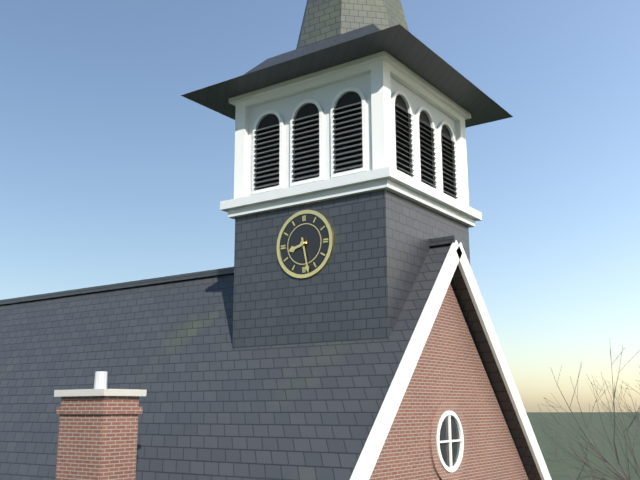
8:28
